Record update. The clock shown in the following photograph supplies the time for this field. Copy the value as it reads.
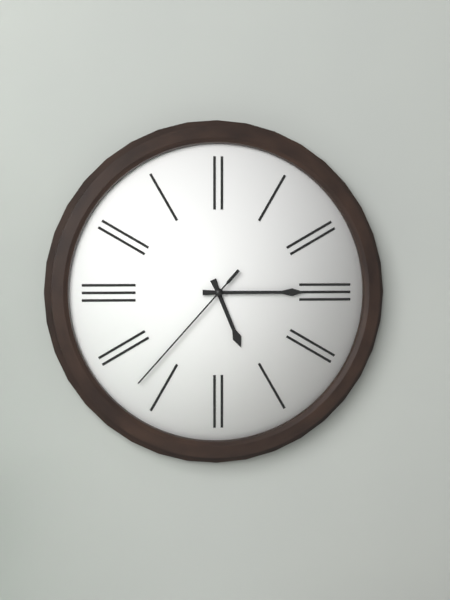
5:15:37
